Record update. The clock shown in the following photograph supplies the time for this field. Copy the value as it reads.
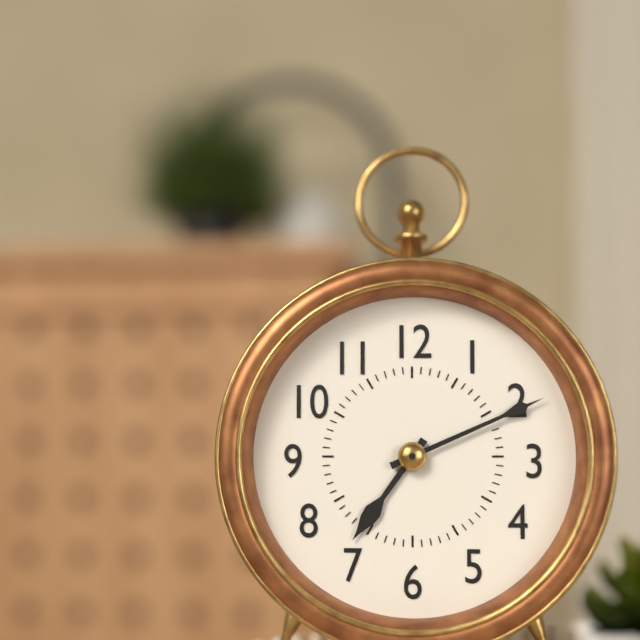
7:11
